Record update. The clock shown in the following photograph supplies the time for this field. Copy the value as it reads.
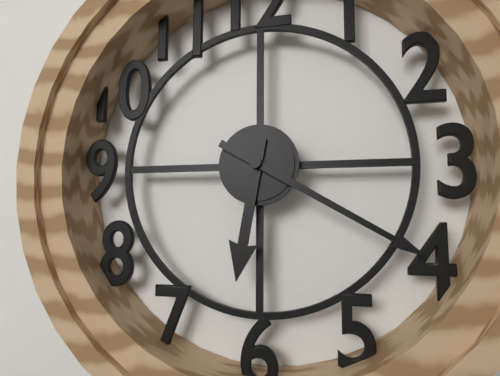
6:20
